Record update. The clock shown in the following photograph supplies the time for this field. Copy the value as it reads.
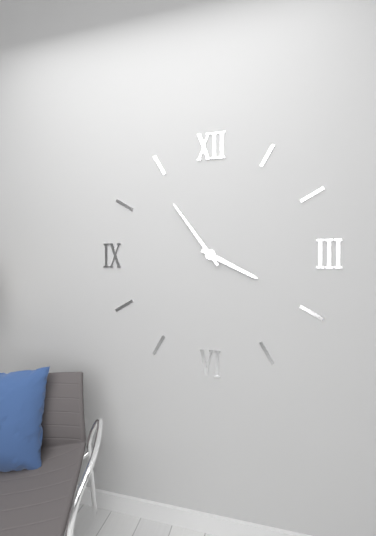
3:54
